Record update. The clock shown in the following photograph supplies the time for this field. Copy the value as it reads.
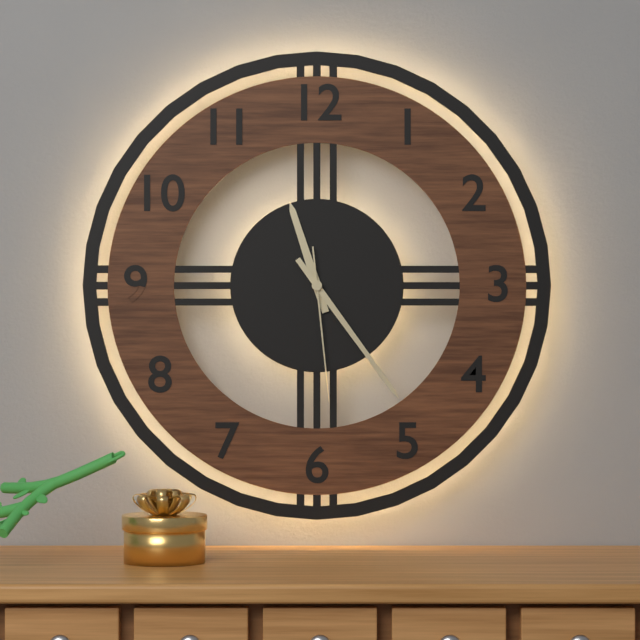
11:24:29
